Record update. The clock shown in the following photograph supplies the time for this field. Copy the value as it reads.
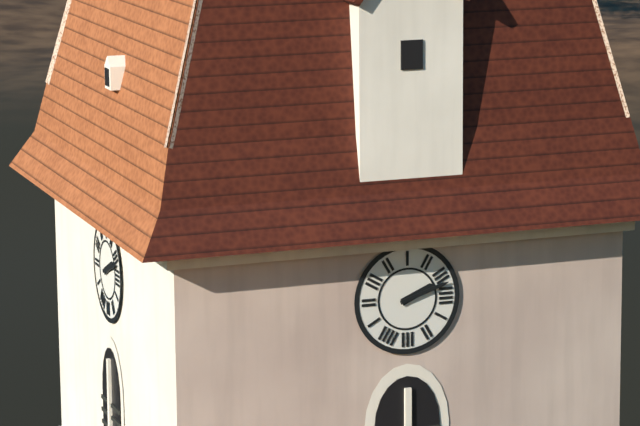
2:12
